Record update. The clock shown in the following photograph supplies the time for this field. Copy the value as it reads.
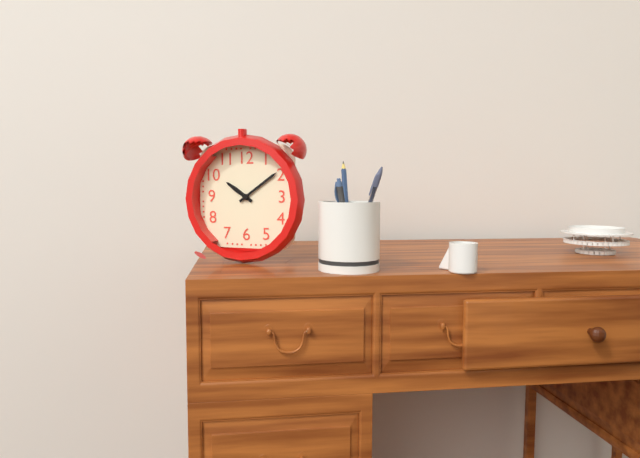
10:09
